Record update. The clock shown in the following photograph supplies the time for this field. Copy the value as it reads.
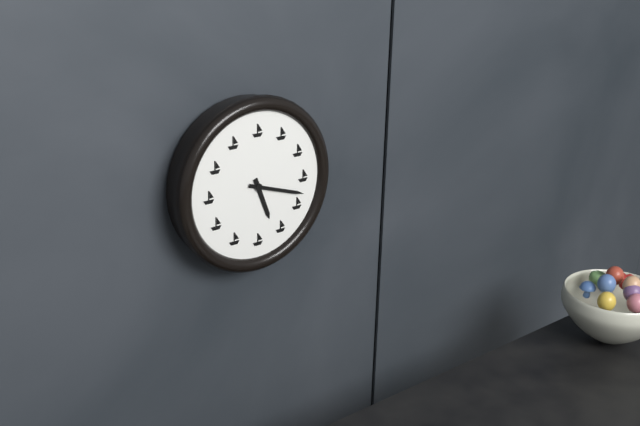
5:18
